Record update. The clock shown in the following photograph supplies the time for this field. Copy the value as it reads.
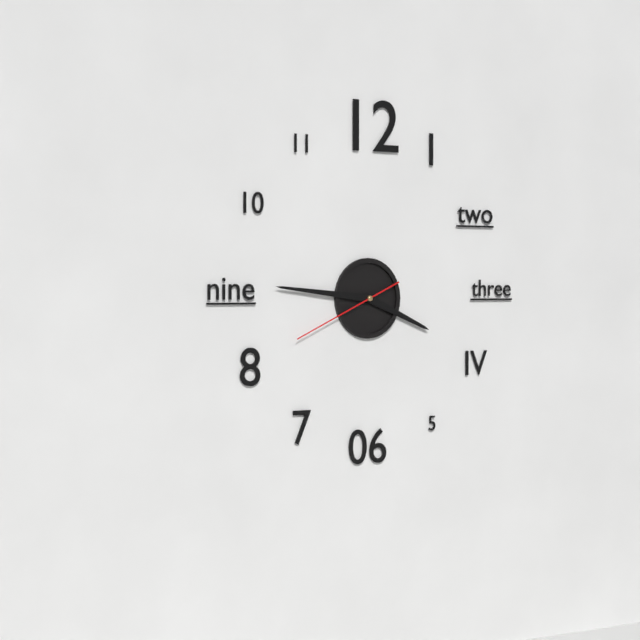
3:46:41
